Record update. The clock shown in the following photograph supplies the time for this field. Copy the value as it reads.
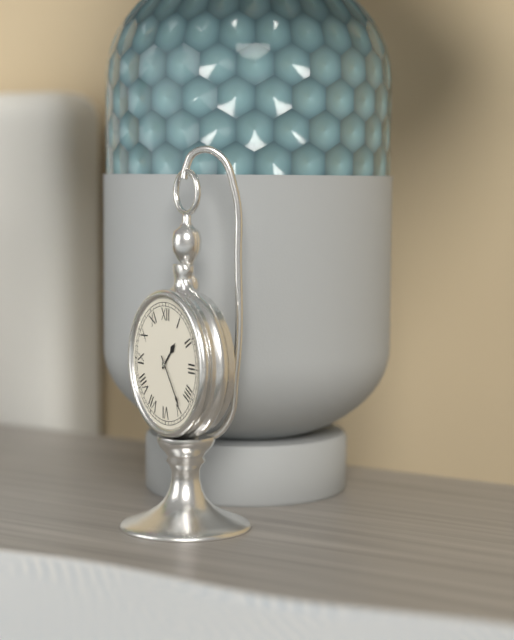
1:24
